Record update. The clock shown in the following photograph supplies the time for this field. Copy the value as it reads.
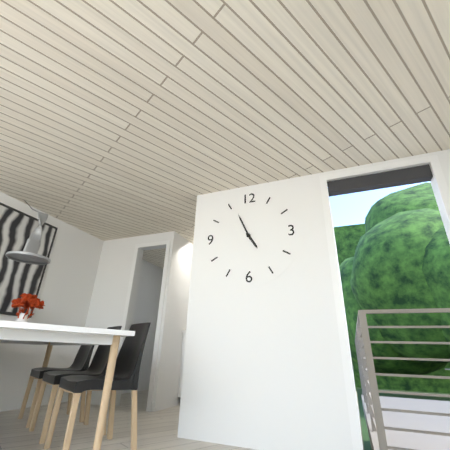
4:56
